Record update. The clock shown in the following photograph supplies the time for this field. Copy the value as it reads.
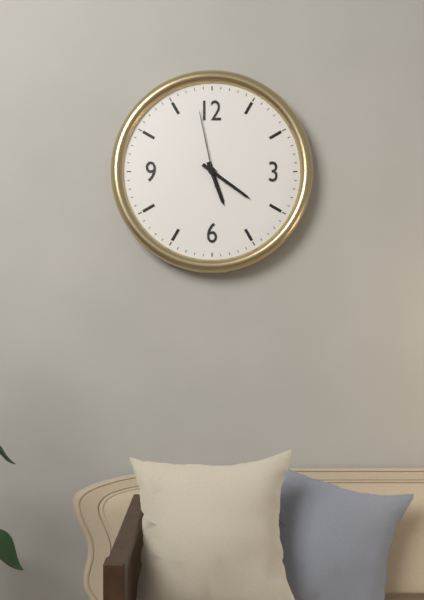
5:21:58
